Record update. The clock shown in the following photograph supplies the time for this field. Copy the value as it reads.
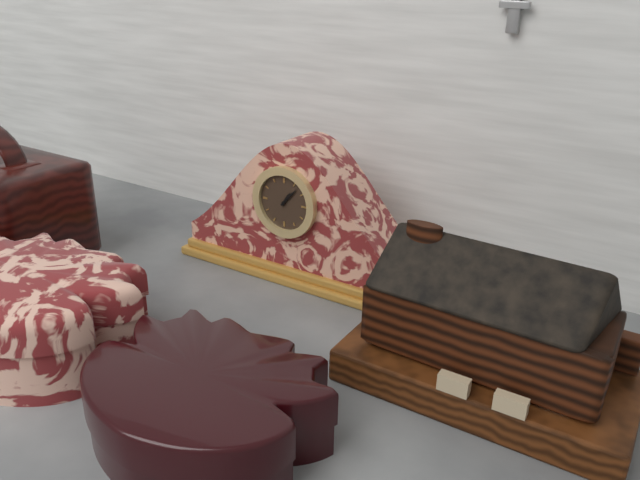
1:07
